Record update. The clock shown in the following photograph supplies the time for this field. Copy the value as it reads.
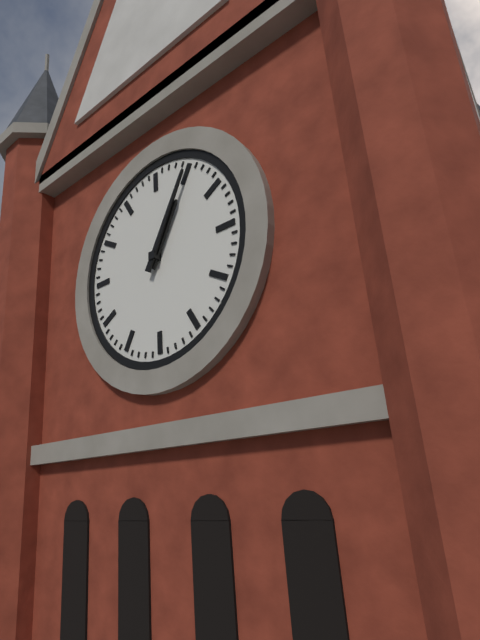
1:05
